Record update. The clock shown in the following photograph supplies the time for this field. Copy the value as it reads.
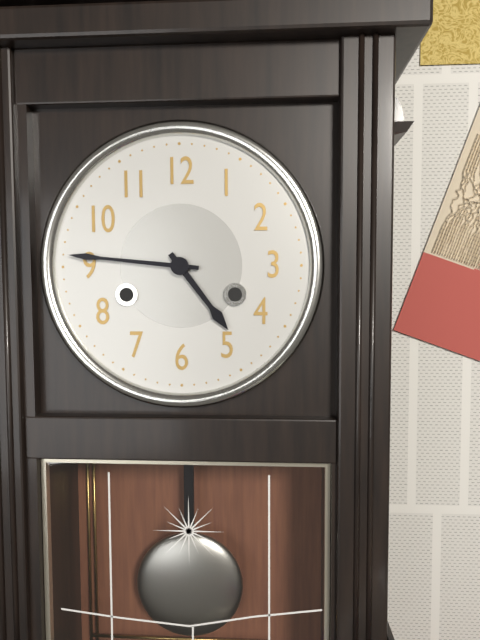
4:46
